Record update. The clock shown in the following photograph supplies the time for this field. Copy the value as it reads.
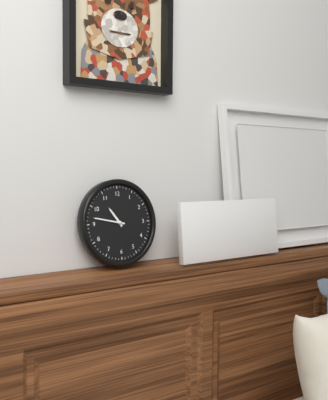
10:47
